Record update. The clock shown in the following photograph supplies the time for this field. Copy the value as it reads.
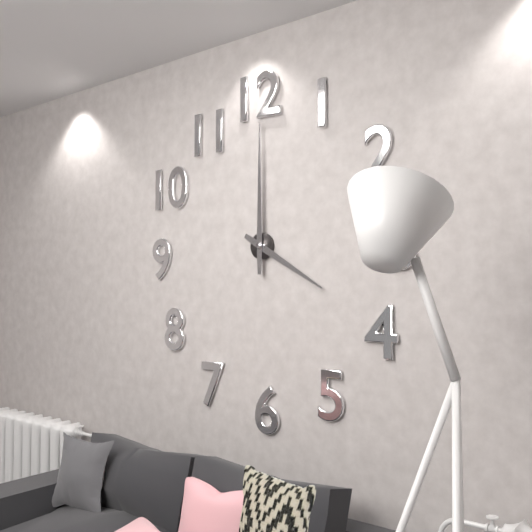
4:00
